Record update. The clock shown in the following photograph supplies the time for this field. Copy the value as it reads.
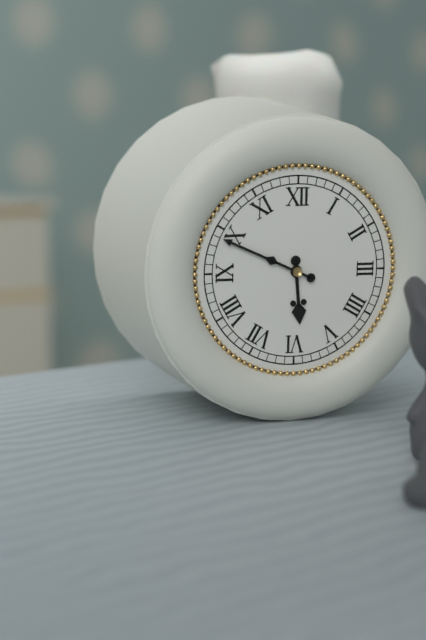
5:49
